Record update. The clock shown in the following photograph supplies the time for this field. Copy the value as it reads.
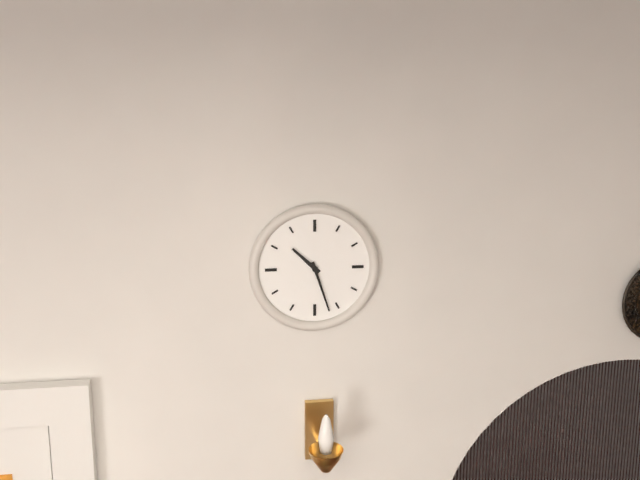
10:27
